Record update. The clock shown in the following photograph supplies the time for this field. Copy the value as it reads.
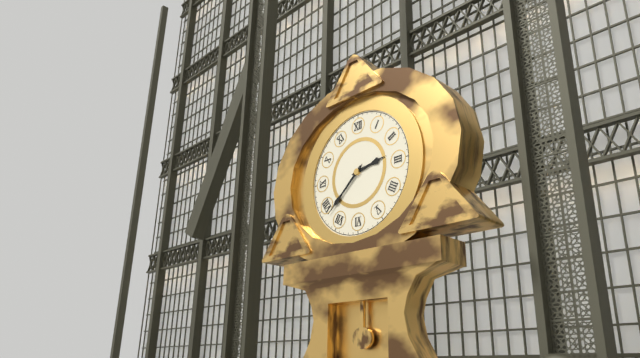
2:38
